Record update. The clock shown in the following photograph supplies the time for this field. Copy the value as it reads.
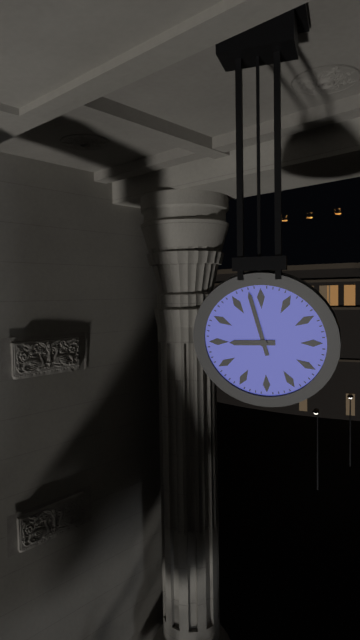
8:58
